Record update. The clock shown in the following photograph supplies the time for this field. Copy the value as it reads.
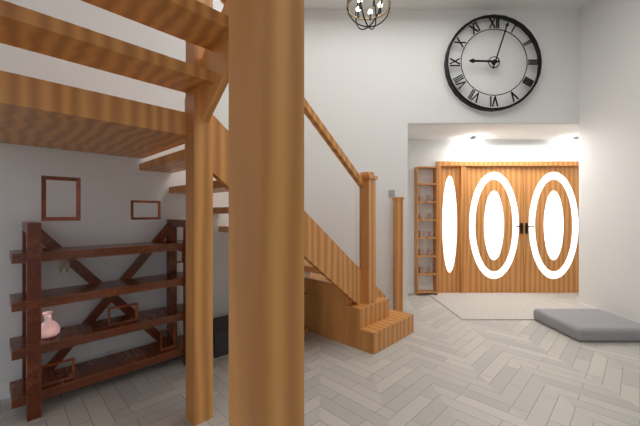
9:03
